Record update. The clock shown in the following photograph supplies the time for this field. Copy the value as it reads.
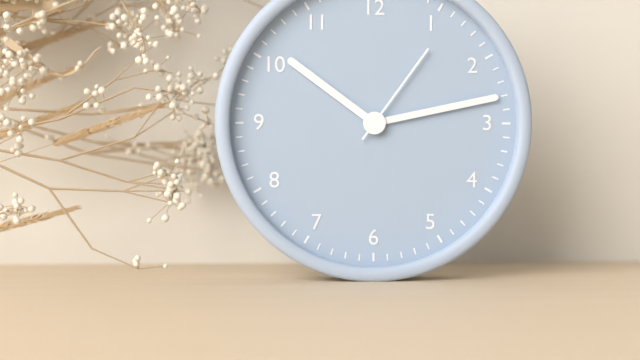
10:13:06
